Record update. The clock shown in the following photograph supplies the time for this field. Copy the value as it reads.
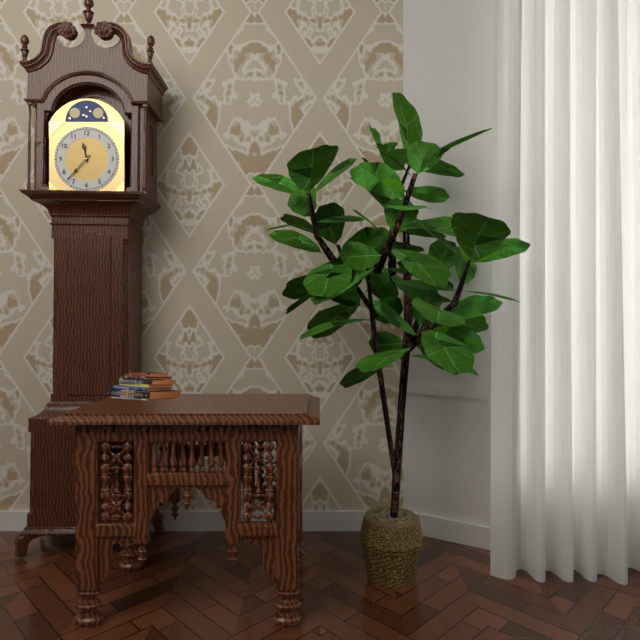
11:37
